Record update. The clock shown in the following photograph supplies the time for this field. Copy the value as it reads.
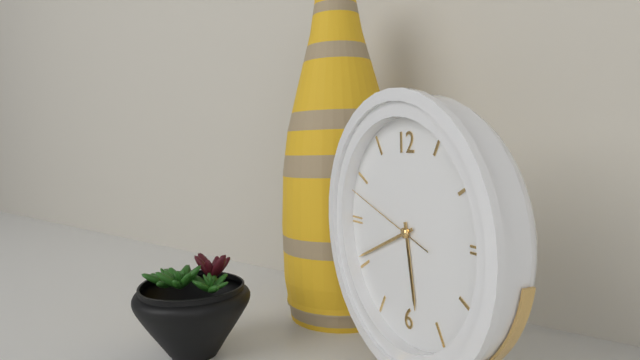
5:41:48
